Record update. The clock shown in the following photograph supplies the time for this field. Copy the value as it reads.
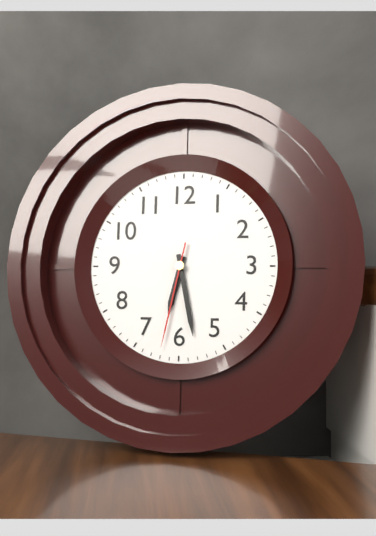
6:28:32
